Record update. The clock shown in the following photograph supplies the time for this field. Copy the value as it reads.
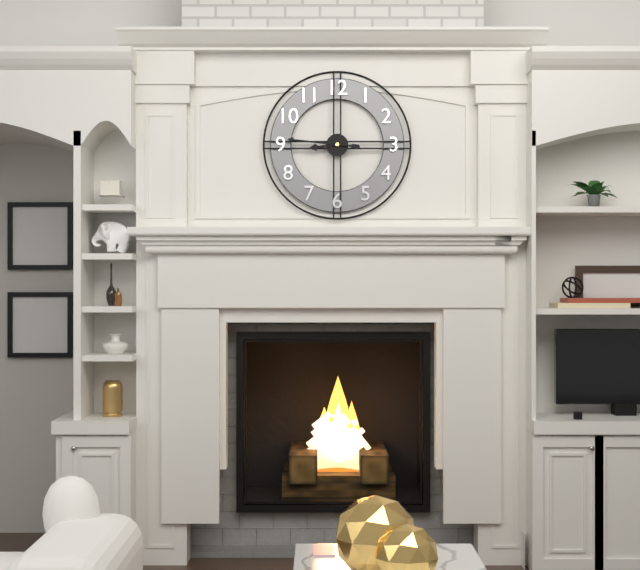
8:46
